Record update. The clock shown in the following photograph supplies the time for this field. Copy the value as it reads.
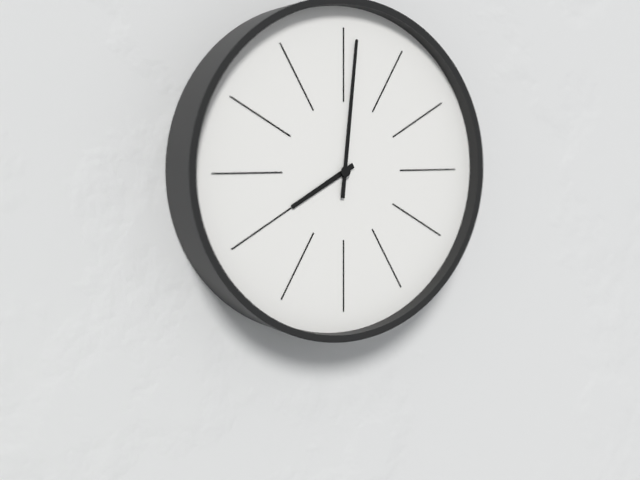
8:01
